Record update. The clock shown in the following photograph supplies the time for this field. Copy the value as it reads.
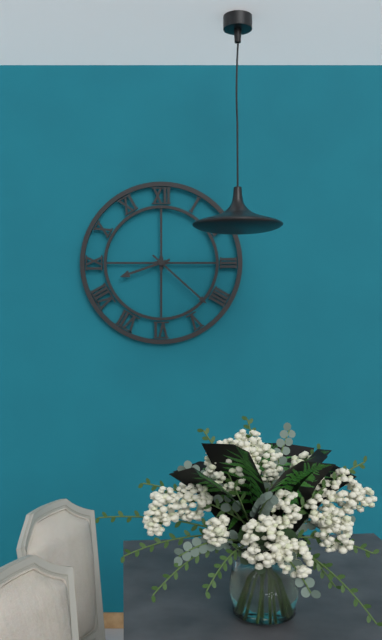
8:22
